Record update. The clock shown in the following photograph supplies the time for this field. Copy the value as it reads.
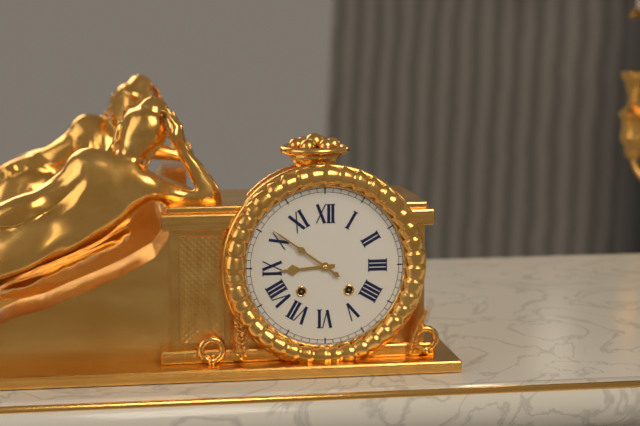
8:51
